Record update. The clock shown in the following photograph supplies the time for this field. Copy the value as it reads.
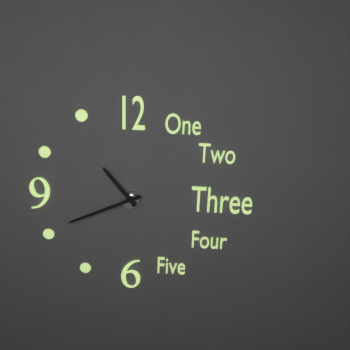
10:41
